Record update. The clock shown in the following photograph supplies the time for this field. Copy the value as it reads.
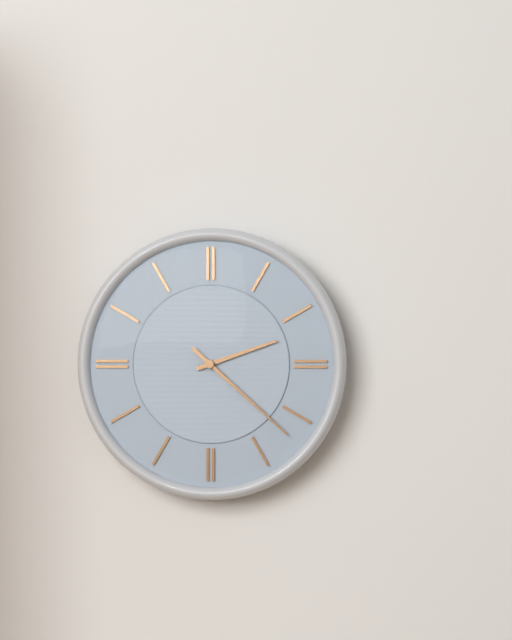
2:22
